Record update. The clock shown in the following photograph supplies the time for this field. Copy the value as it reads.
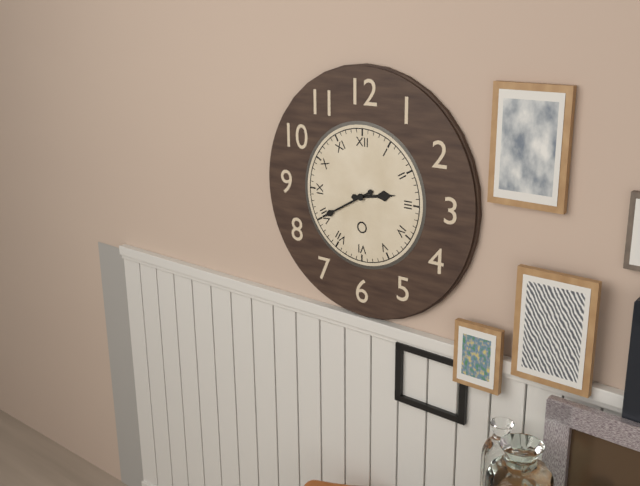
2:40
